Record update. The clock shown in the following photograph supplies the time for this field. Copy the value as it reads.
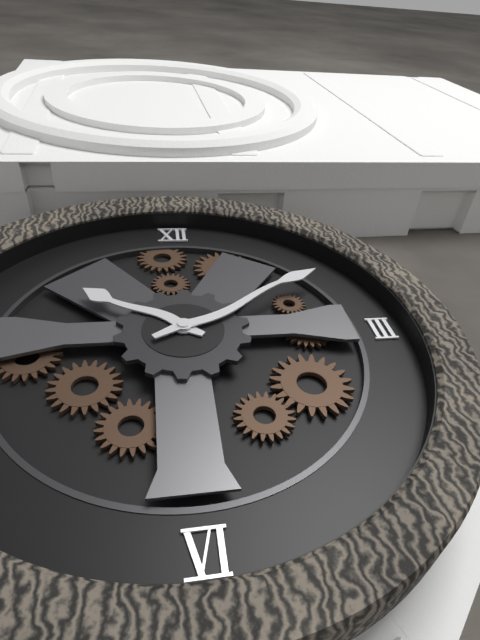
10:10
